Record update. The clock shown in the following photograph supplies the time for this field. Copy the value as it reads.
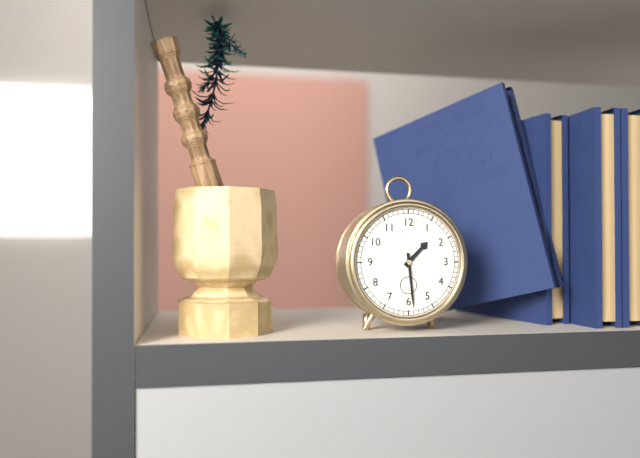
1:29
